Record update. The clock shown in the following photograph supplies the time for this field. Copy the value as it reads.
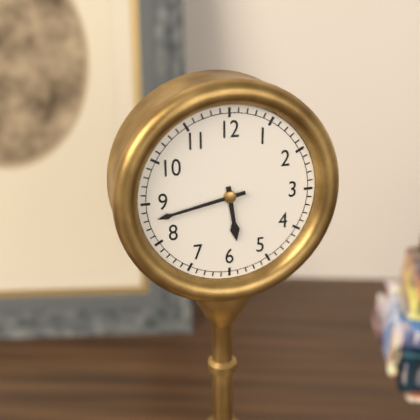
5:43
